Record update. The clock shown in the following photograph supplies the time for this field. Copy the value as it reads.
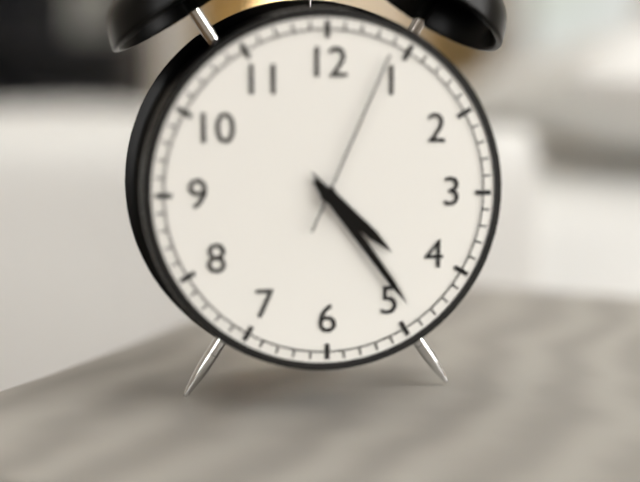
4:24:04
